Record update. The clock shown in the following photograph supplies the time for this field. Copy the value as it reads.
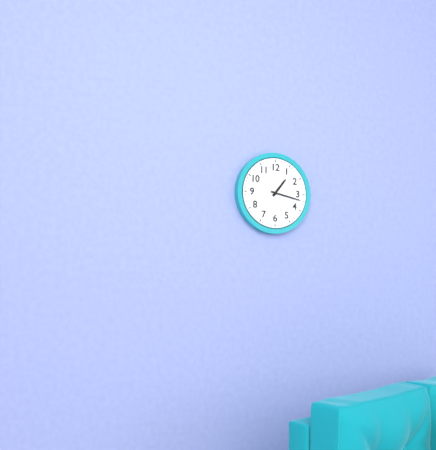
1:17
